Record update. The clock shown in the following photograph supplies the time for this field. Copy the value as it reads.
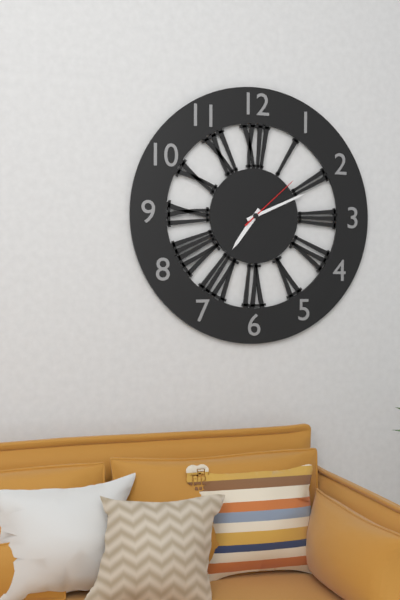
7:11:08
